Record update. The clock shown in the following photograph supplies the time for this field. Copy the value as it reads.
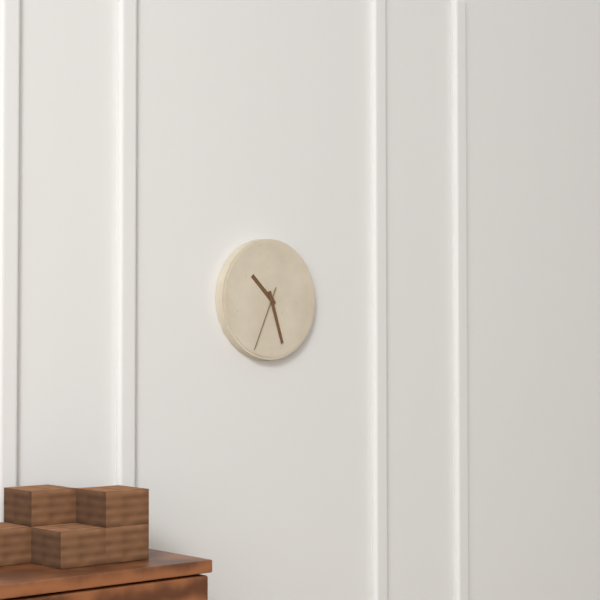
10:27:34
